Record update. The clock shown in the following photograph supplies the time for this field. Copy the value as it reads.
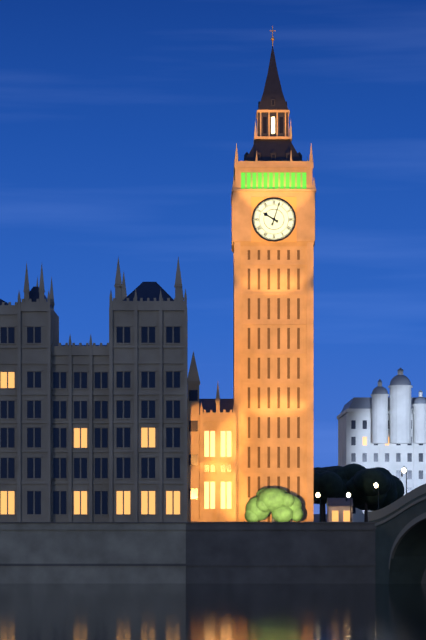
10:03
